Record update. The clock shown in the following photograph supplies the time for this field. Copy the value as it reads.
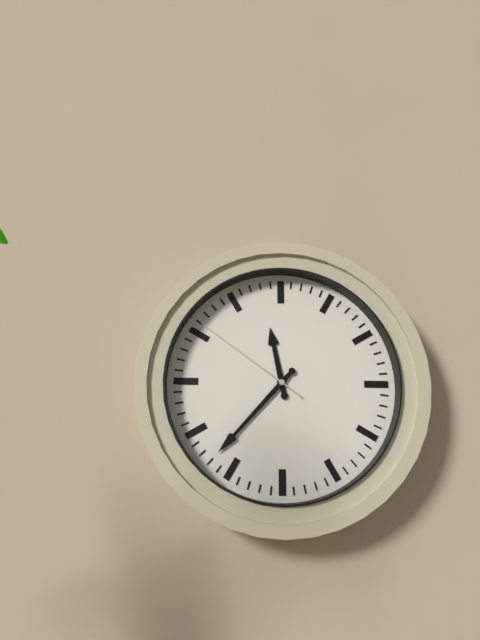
11:37:51
